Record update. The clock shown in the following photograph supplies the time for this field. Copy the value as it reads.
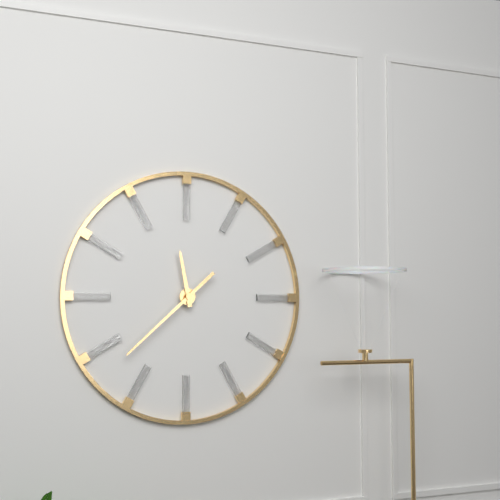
11:38
